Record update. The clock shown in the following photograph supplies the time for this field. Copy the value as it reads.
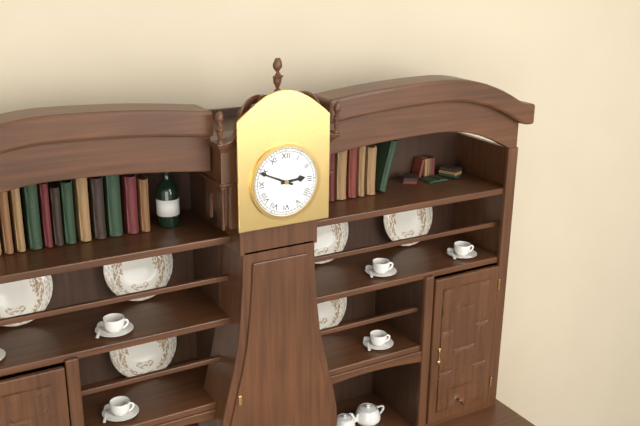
2:49
